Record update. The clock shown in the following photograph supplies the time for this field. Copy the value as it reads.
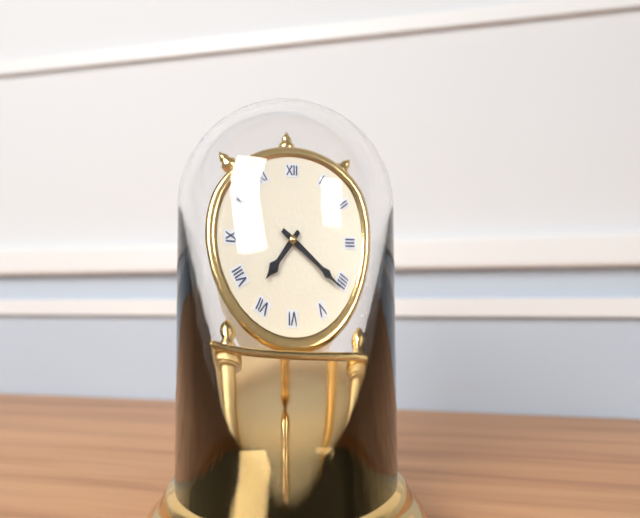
7:21
